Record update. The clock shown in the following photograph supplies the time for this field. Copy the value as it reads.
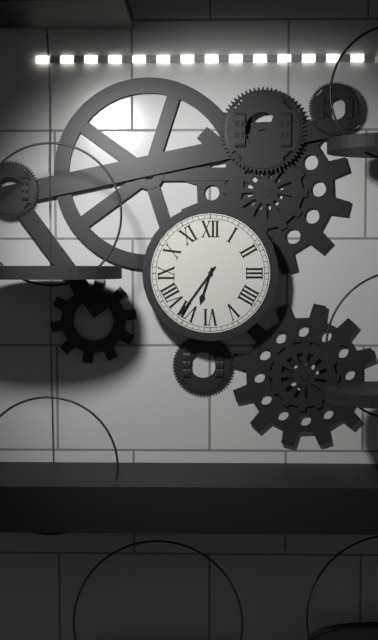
6:36
